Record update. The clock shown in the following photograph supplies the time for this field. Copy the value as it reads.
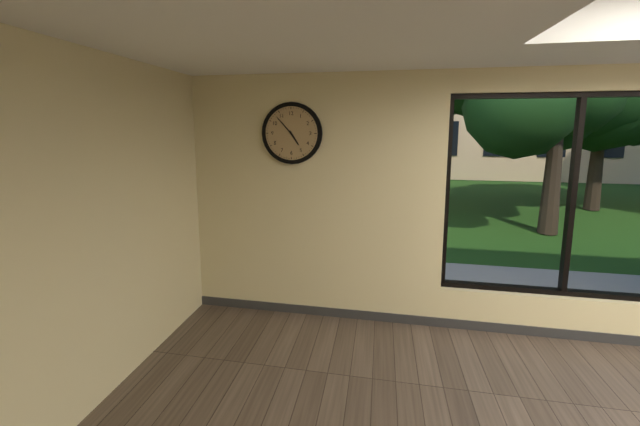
4:53
